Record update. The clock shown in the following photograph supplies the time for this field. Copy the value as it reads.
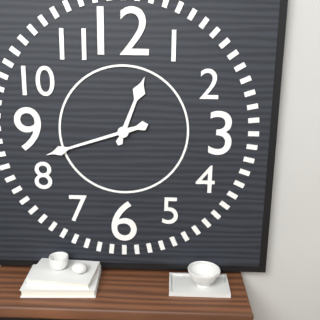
12:42
